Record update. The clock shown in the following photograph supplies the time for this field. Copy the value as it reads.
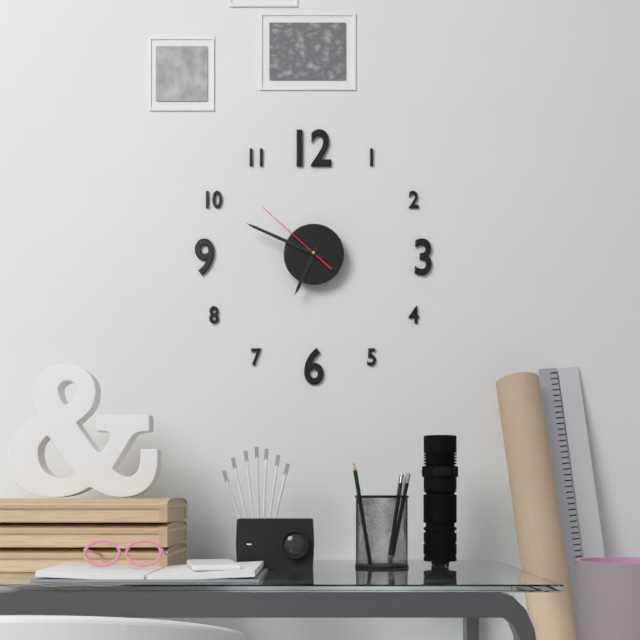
6:49:52
